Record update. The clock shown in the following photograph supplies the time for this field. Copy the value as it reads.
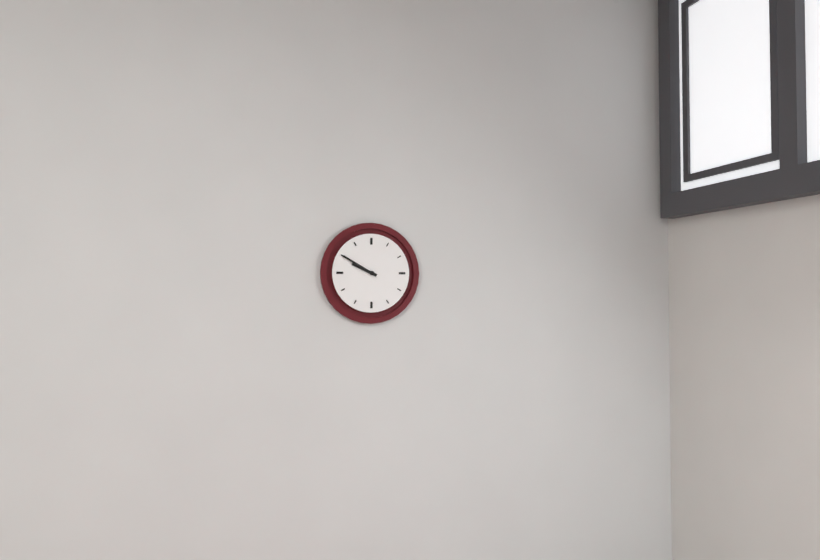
9:50
